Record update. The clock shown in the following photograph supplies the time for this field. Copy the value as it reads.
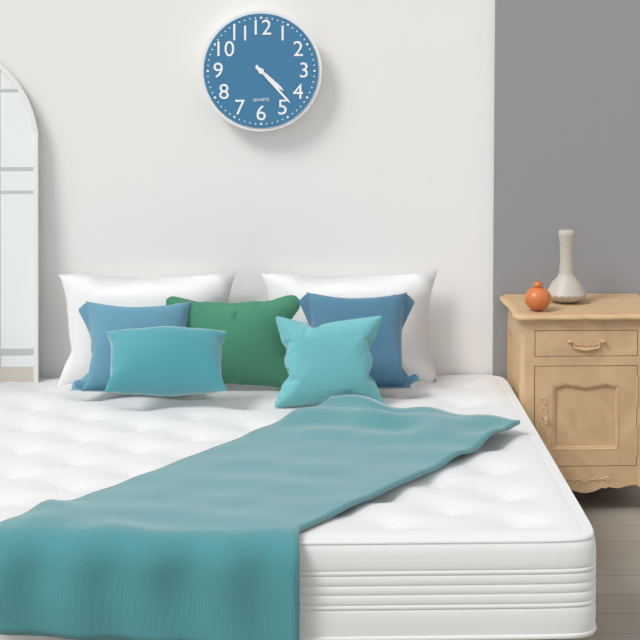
4:23
